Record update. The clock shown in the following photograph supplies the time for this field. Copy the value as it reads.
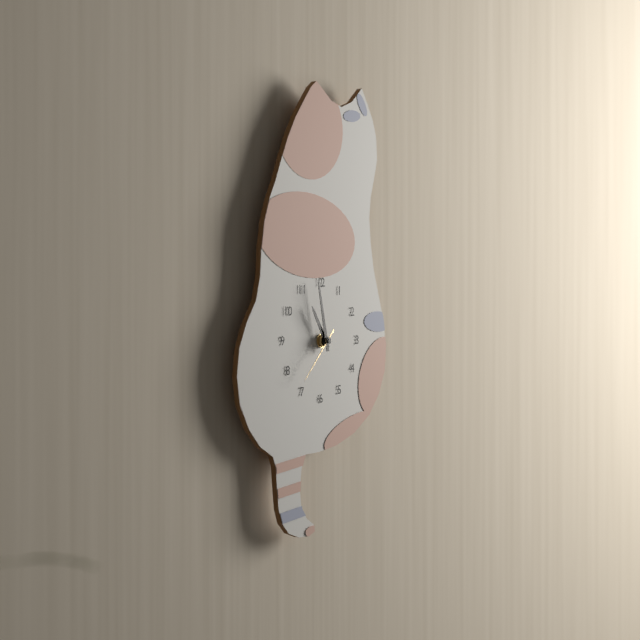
10:58:37
